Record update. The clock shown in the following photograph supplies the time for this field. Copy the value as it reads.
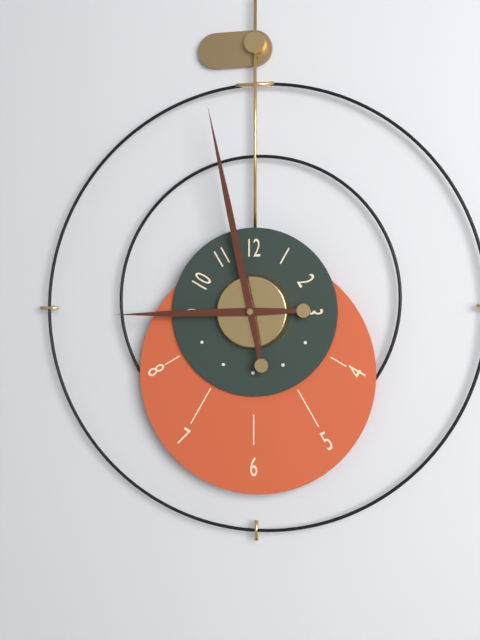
8:58
